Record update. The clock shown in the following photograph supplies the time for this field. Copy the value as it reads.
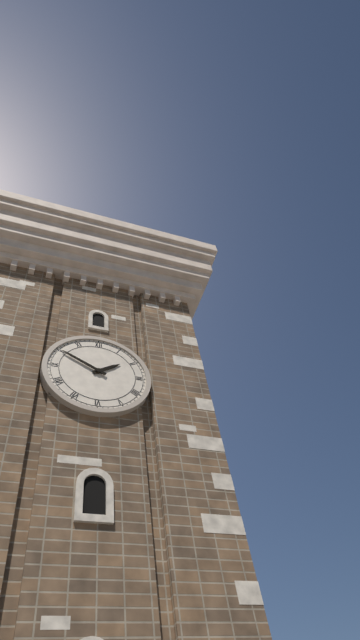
1:50
